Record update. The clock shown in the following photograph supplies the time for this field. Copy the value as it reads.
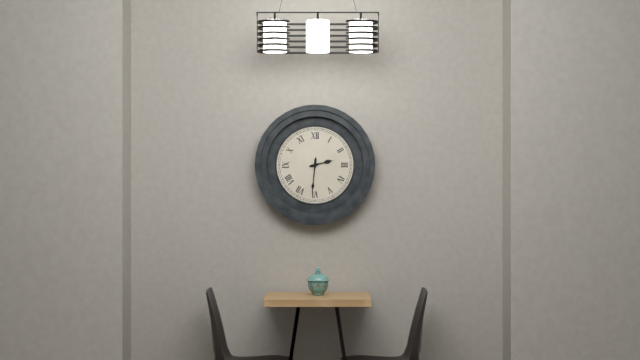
2:31
